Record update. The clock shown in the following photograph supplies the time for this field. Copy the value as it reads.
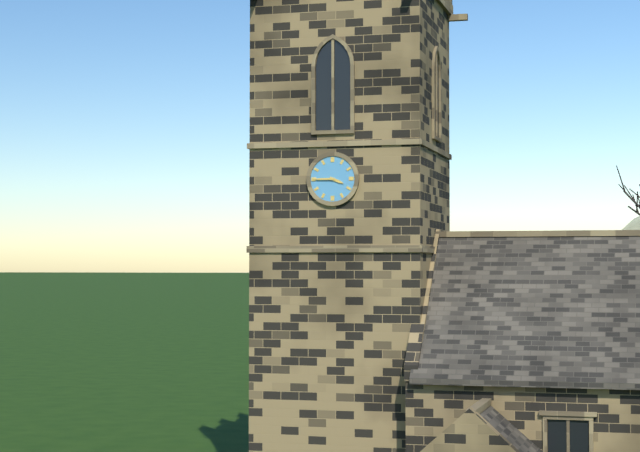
3:45
